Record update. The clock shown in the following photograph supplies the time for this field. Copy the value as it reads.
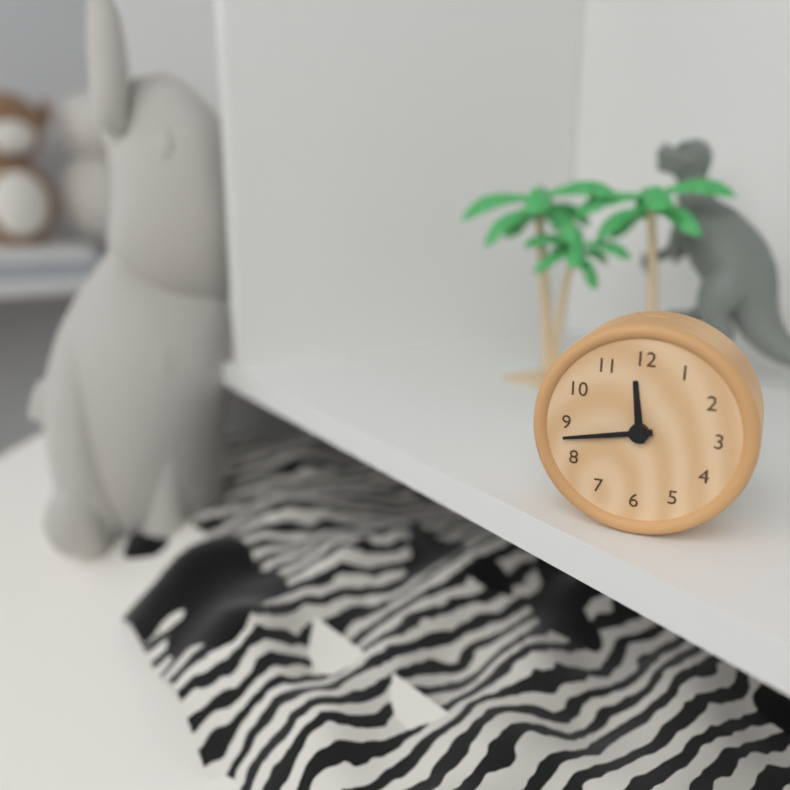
11:43
